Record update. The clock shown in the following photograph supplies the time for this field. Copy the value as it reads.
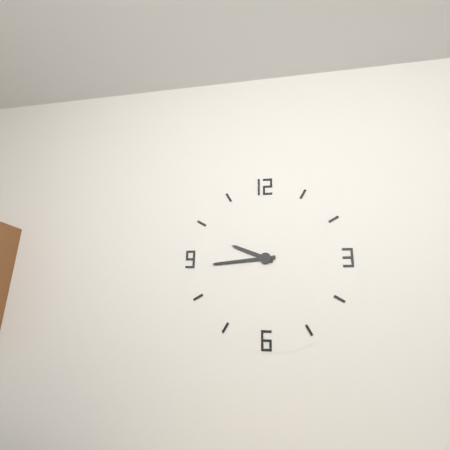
9:44
